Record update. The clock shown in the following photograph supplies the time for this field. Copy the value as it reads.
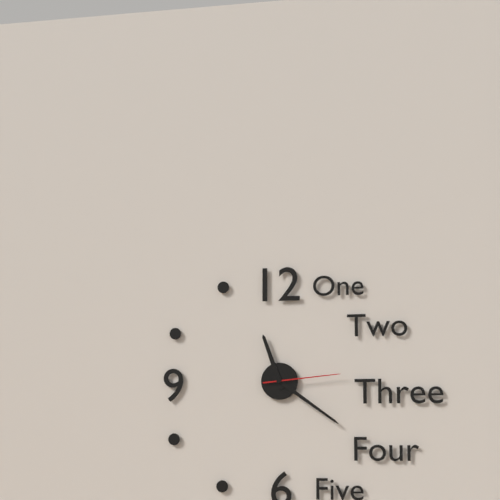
11:21:14
